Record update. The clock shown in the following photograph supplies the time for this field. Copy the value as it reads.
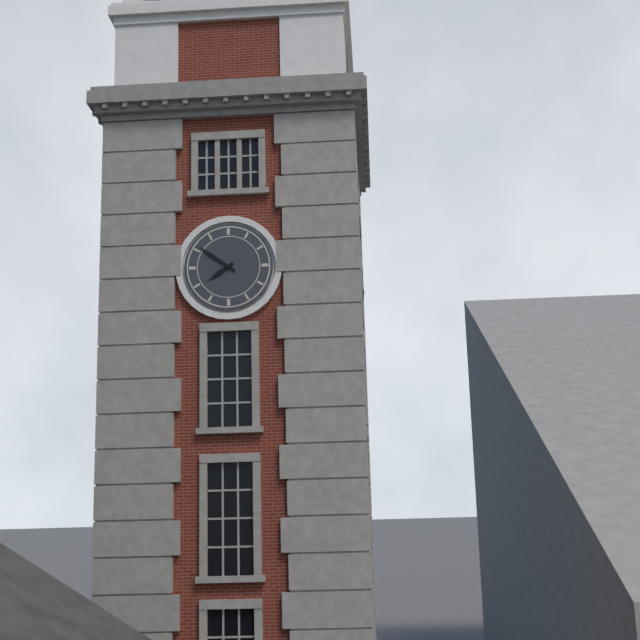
7:51
